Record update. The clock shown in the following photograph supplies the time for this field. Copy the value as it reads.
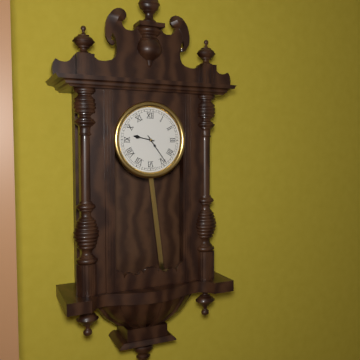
9:24
